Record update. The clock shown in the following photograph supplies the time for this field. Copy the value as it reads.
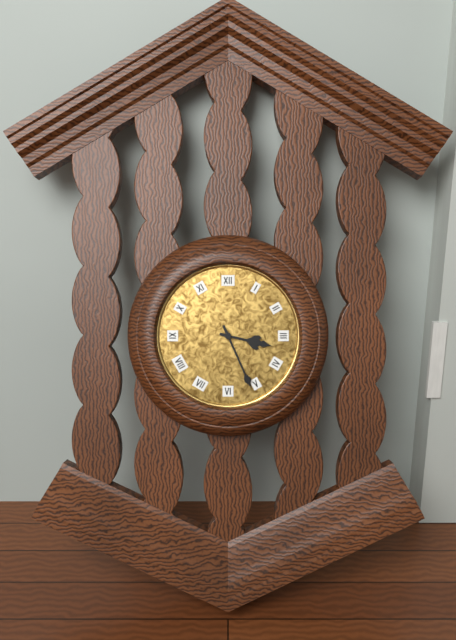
3:26
